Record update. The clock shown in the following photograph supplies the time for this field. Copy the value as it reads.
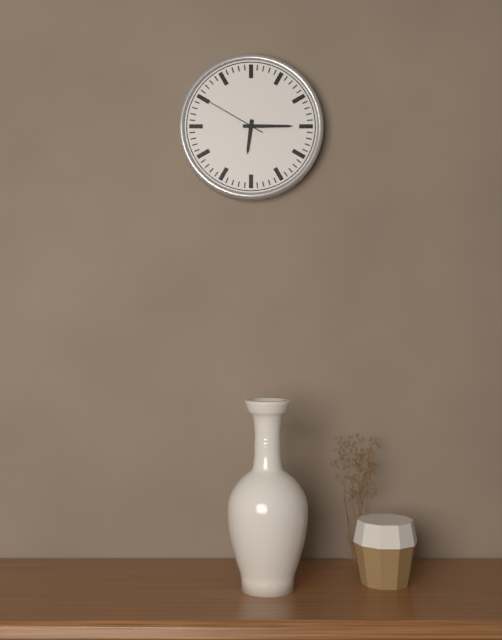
6:15:50
